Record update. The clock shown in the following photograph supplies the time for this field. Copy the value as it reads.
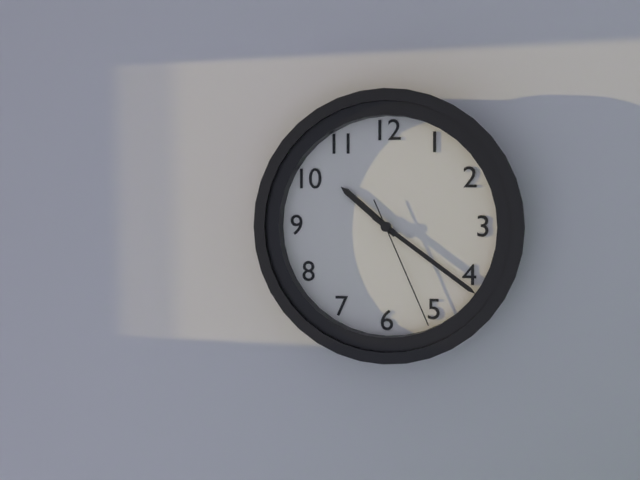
10:21:26
